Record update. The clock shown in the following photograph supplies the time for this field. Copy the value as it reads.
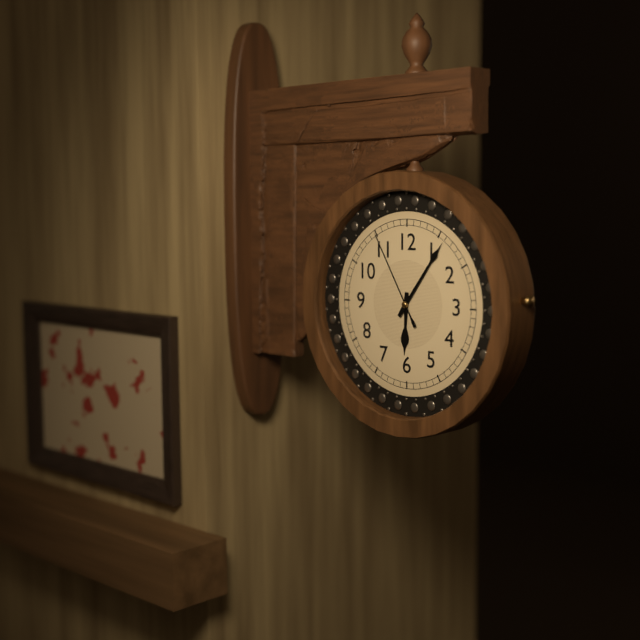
6:06:55
